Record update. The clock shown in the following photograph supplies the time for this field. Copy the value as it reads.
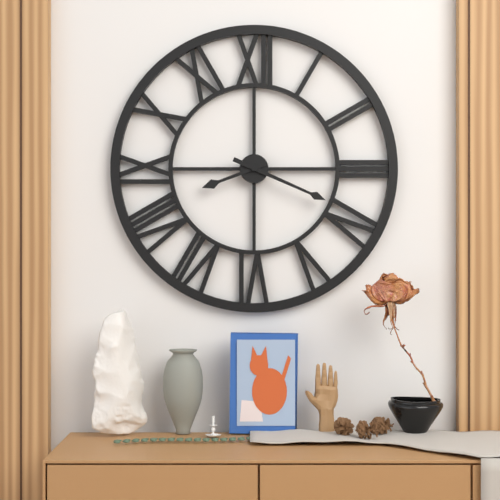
8:19
